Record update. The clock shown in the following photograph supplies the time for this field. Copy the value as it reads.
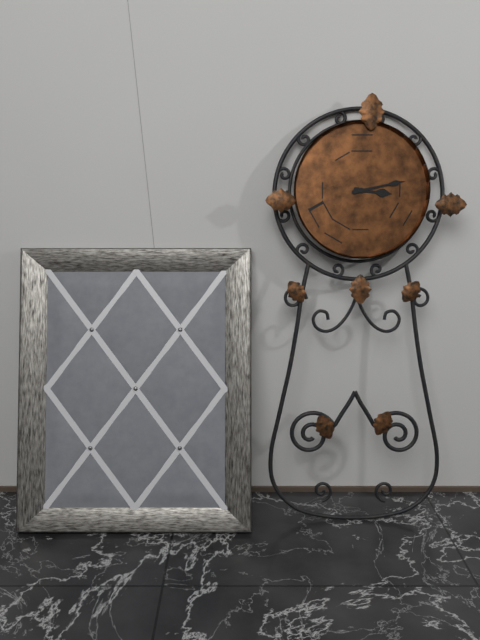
3:13
